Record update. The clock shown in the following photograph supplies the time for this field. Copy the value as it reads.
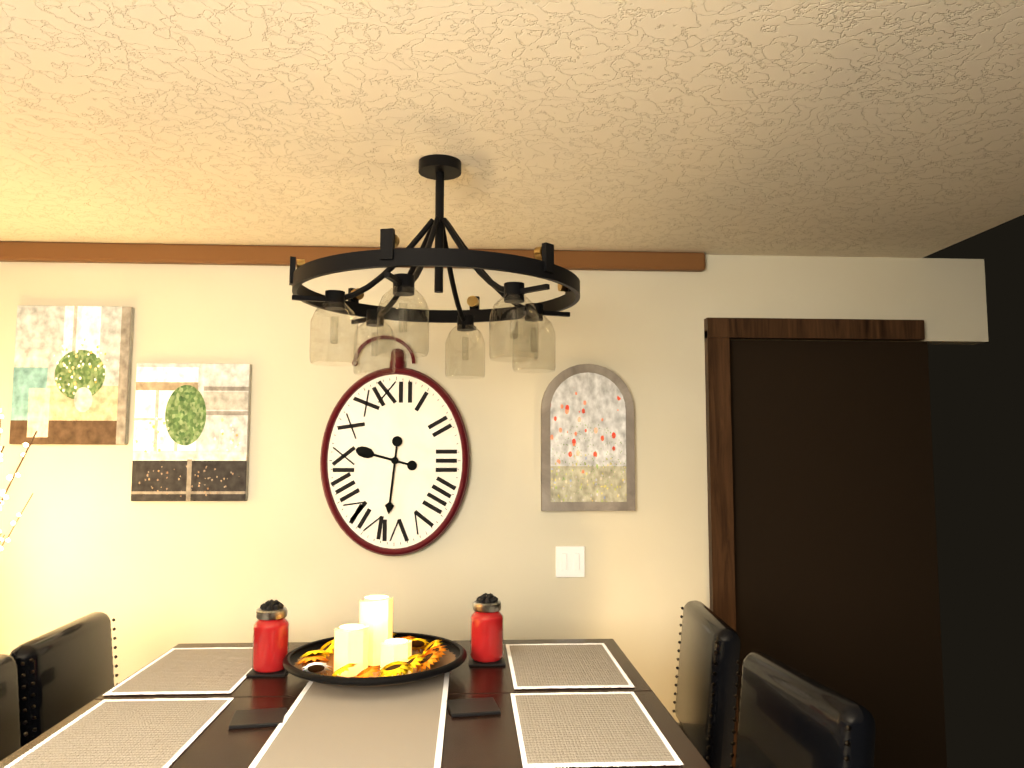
9:31
